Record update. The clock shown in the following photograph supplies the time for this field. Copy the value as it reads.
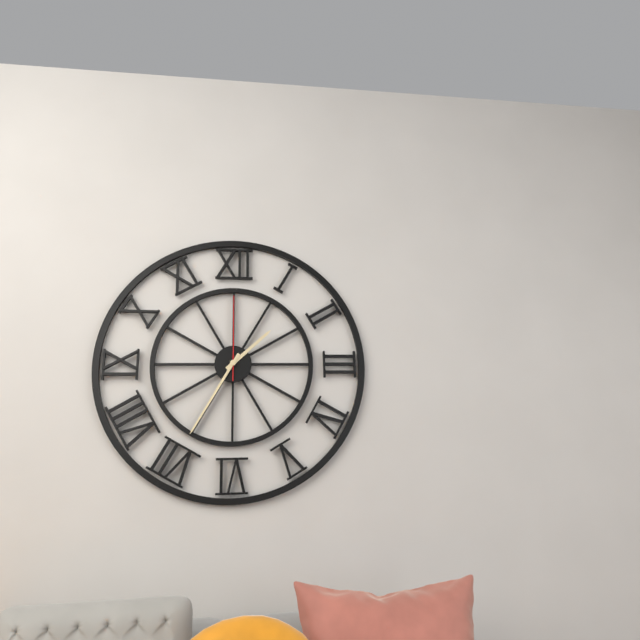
1:35:00
